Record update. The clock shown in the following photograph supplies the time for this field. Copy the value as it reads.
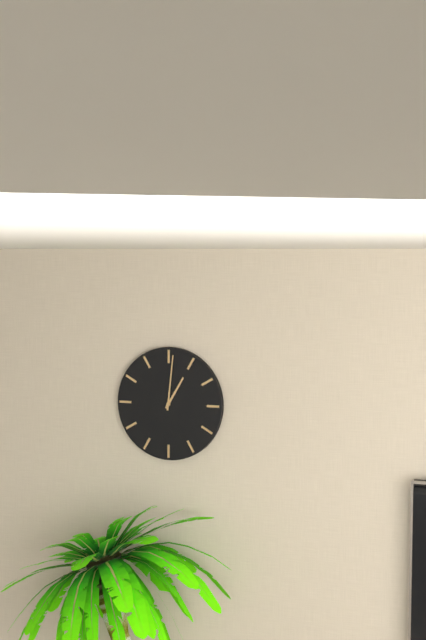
1:01
